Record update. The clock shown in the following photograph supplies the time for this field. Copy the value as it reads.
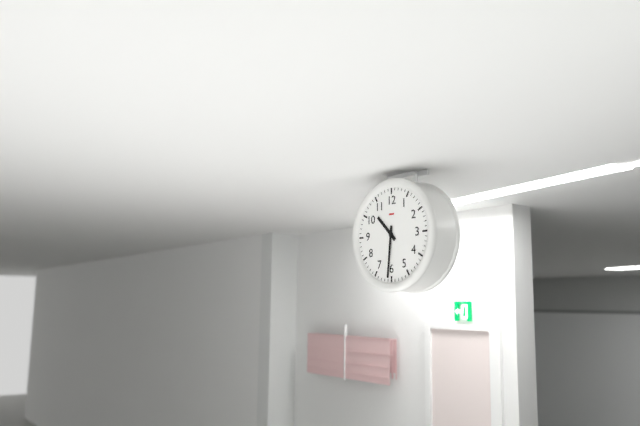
10:31
